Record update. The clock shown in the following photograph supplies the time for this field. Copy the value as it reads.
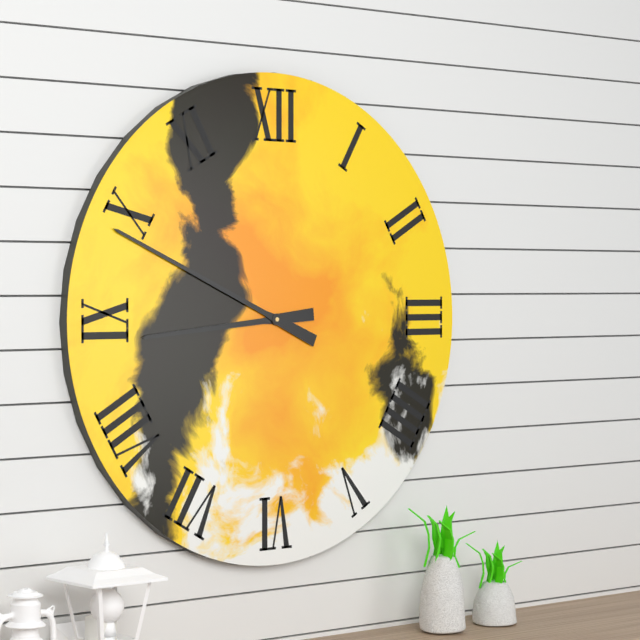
8:49
